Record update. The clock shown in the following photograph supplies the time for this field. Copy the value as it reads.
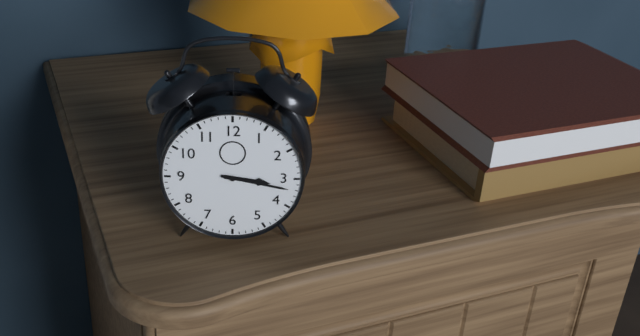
3:17
